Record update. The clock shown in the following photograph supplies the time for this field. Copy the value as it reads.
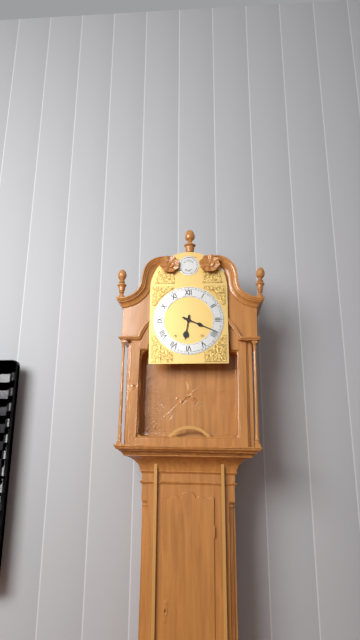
6:19
